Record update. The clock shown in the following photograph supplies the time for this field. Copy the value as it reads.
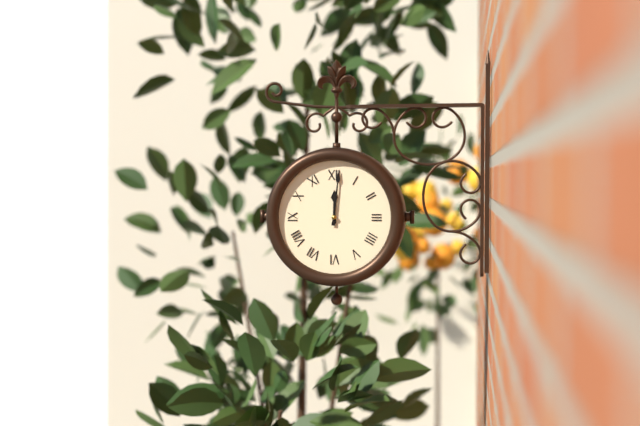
12:01
